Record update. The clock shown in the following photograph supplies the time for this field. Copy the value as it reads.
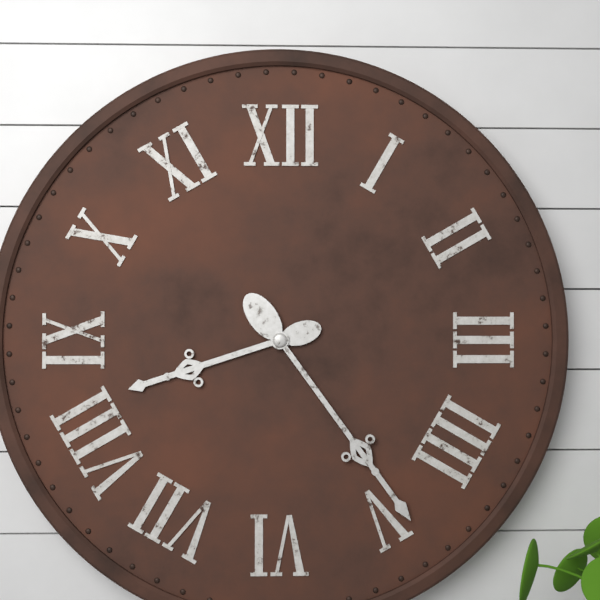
8:24
